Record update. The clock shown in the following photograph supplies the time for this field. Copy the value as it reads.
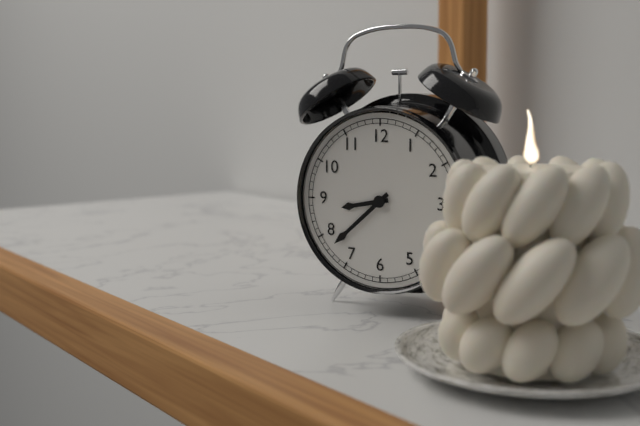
8:38
